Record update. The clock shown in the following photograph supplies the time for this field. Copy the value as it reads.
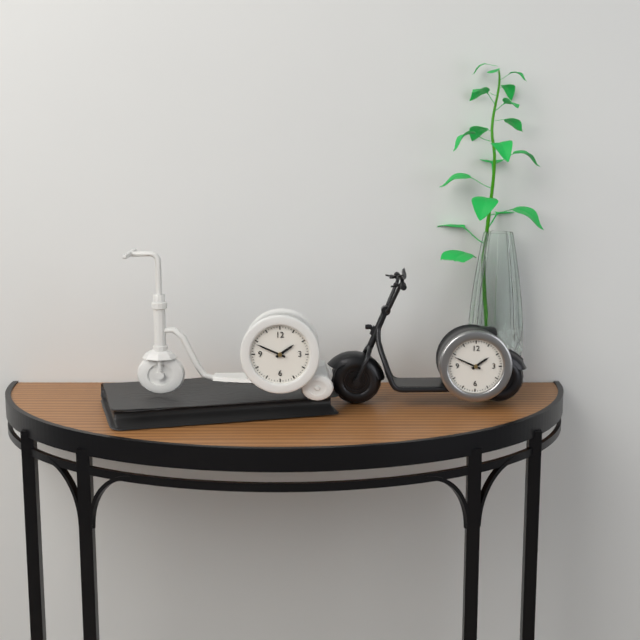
1:49
